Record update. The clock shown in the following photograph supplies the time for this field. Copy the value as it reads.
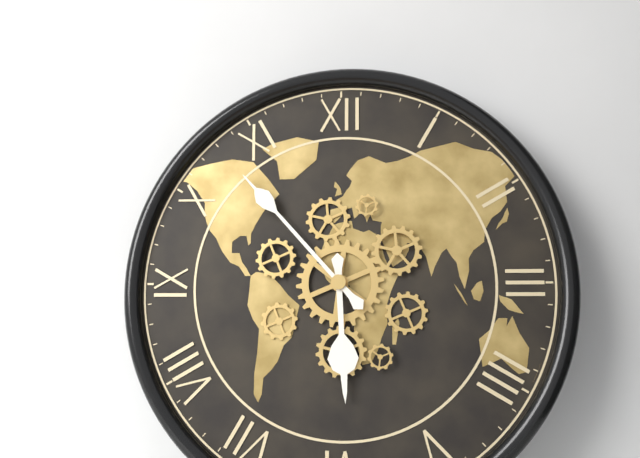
5:53
